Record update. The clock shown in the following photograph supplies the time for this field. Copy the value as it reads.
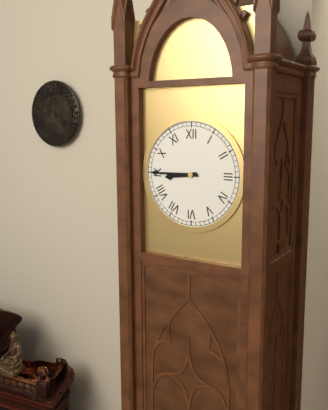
8:45
